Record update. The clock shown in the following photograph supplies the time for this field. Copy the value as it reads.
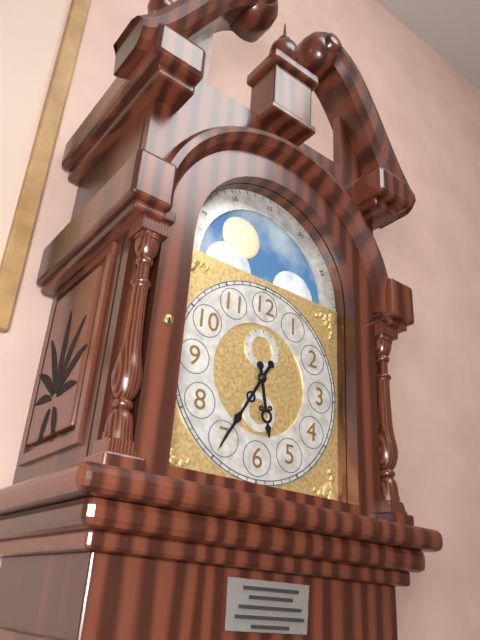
5:35
